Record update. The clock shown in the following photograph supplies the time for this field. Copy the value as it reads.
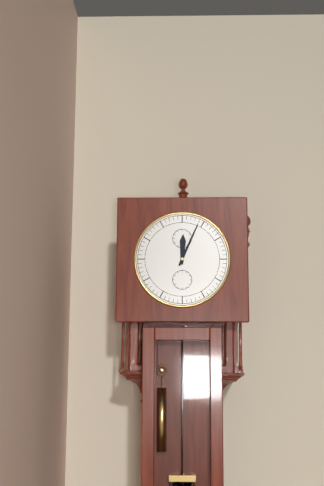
12:04
